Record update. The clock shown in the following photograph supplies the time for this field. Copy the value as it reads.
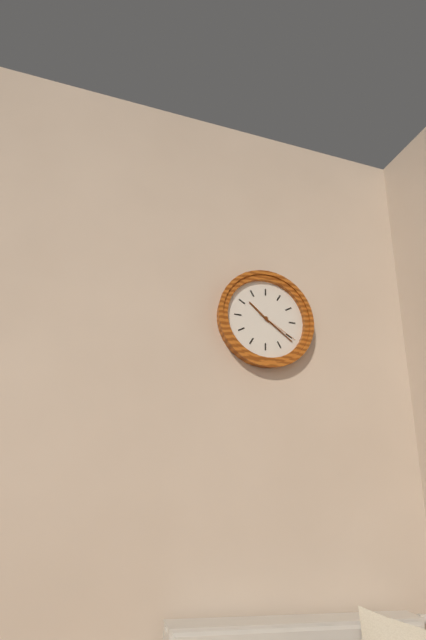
10:21
